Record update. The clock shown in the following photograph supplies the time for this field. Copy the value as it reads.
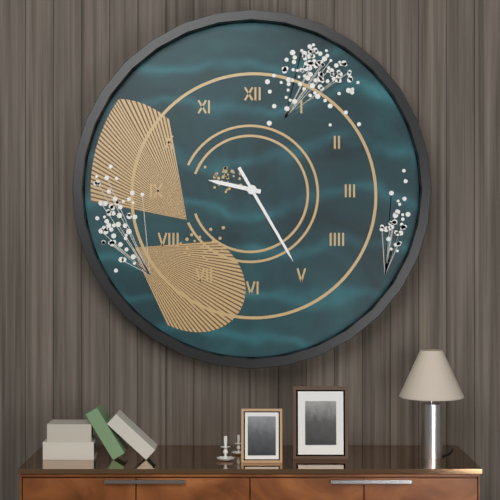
9:25
